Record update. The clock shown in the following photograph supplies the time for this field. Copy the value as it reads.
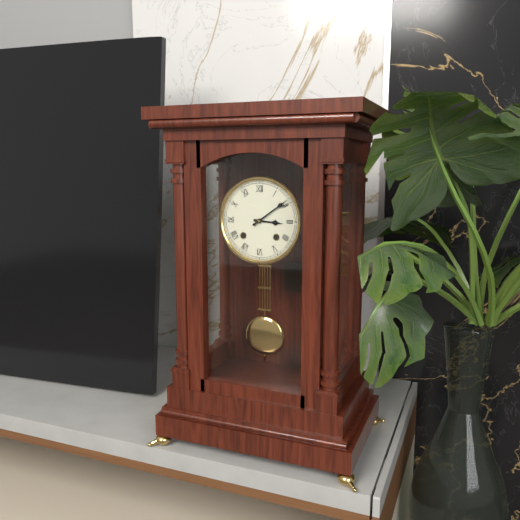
3:09
